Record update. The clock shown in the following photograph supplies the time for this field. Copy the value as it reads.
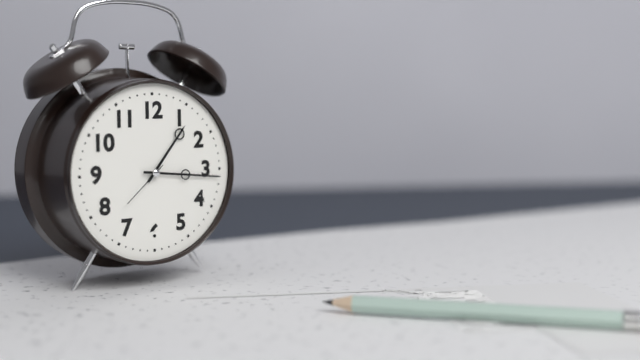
1:16:38
